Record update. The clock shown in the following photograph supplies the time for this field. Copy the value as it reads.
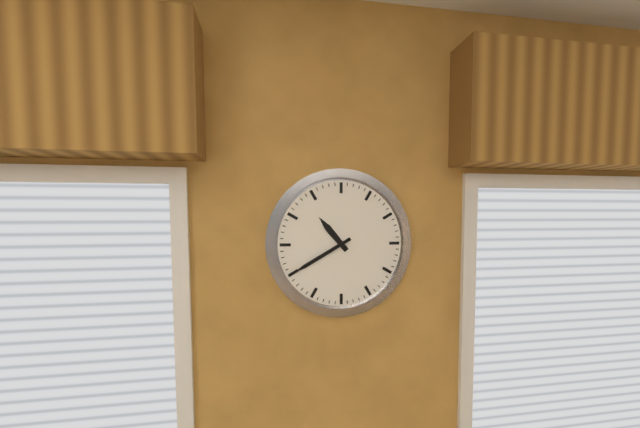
10:40
